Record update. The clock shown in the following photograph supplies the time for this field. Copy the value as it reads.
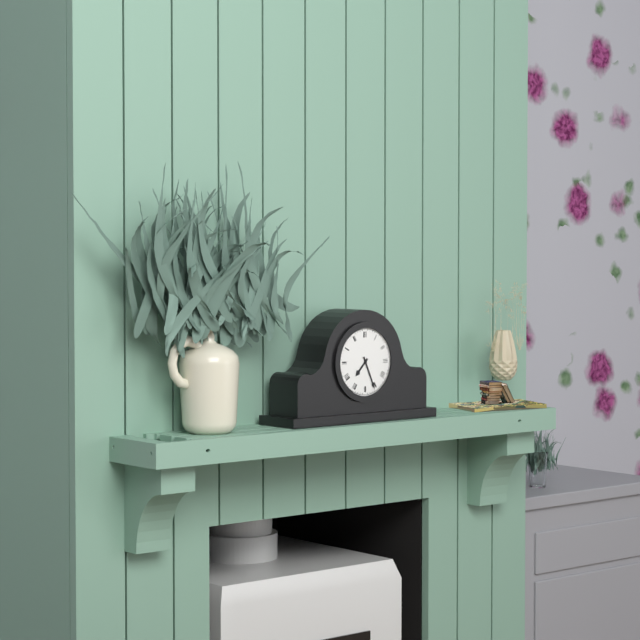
7:26
